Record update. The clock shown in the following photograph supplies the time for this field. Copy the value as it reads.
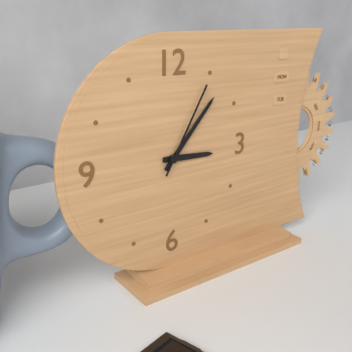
3:07:05
